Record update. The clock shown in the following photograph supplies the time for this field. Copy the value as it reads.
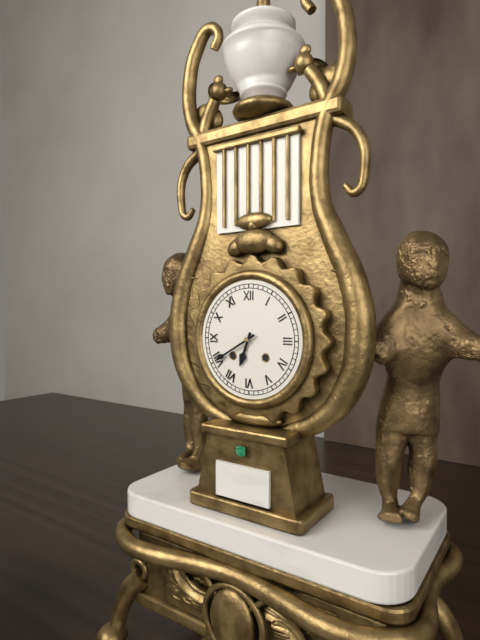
6:40
